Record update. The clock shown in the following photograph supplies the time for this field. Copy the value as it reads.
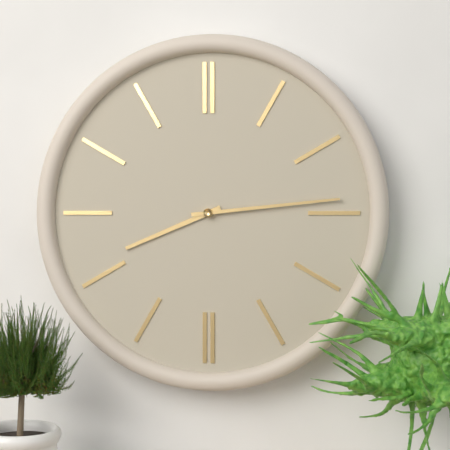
8:14
